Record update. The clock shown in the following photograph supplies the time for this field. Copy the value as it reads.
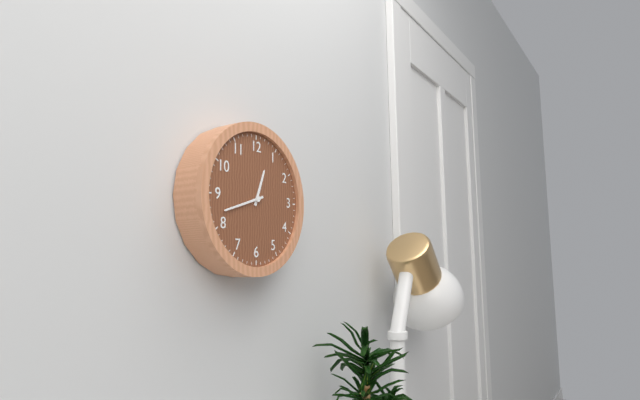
12:42
